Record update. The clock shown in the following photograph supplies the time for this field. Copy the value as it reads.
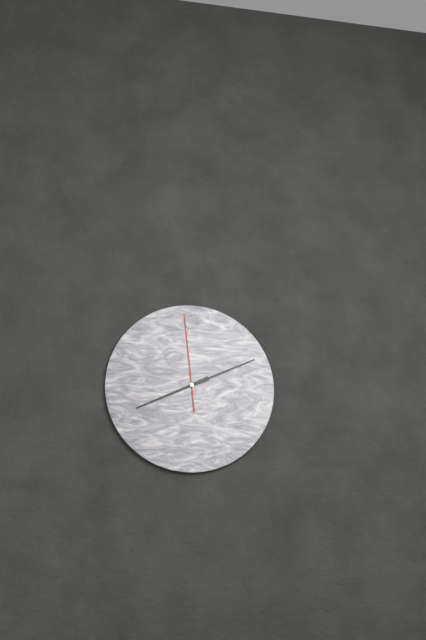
8:11:59
